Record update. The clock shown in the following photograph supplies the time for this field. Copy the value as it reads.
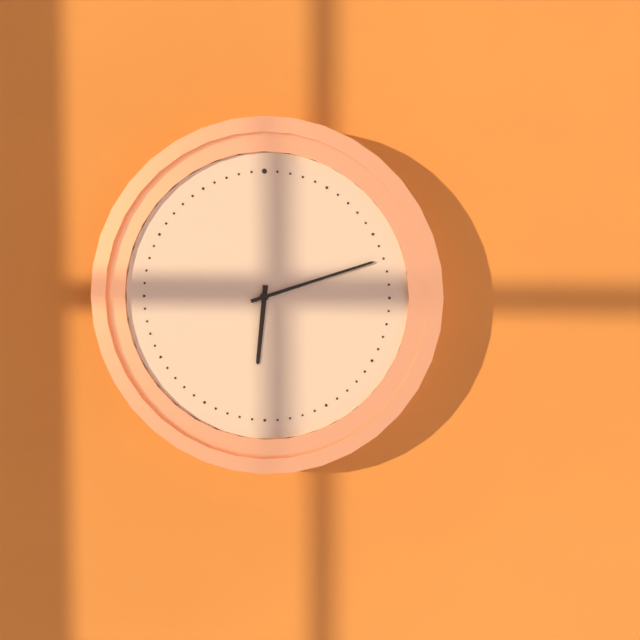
6:12
